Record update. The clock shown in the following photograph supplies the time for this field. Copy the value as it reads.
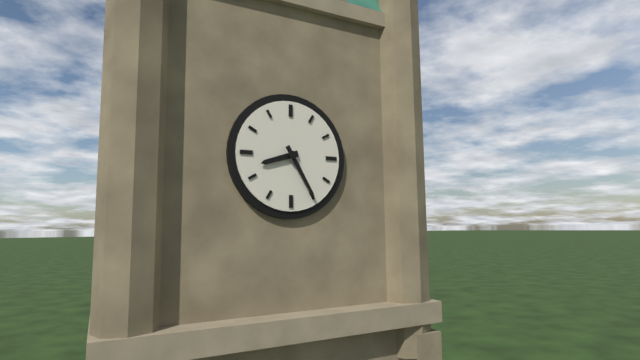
8:25
